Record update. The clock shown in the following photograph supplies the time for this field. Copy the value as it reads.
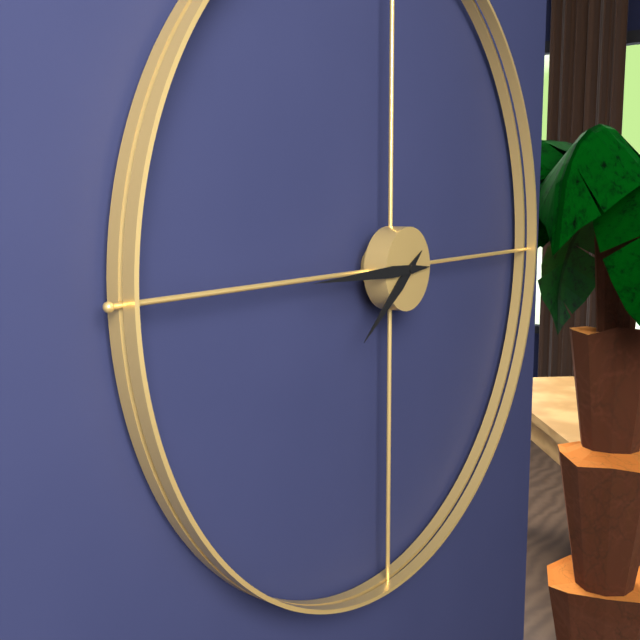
7:45
